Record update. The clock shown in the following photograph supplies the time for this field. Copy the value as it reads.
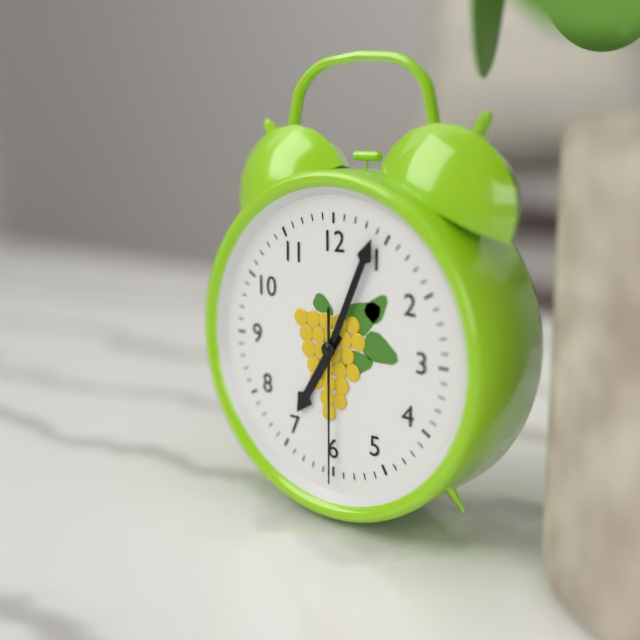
7:04:30
